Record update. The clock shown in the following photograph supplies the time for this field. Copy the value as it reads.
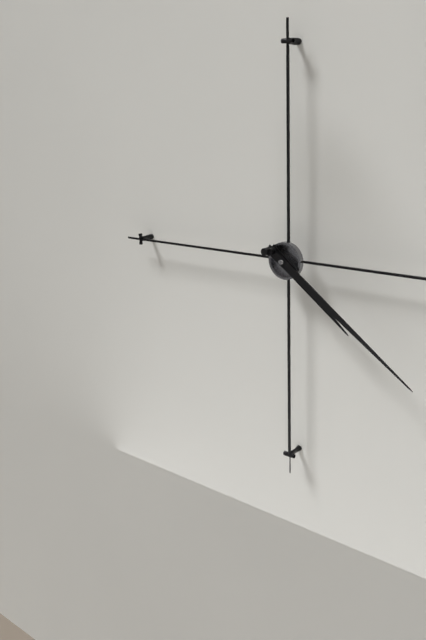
4:21
